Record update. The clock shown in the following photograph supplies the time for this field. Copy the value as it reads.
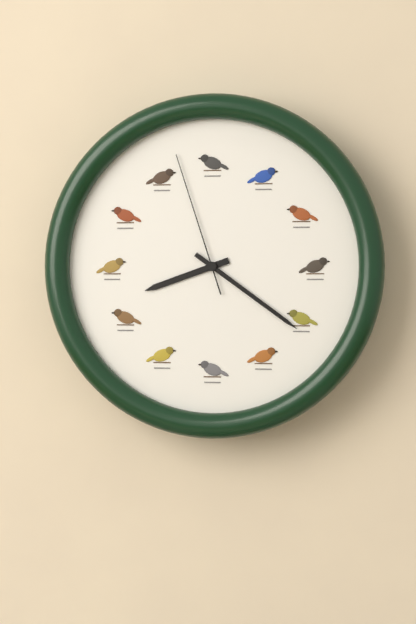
8:21:57
